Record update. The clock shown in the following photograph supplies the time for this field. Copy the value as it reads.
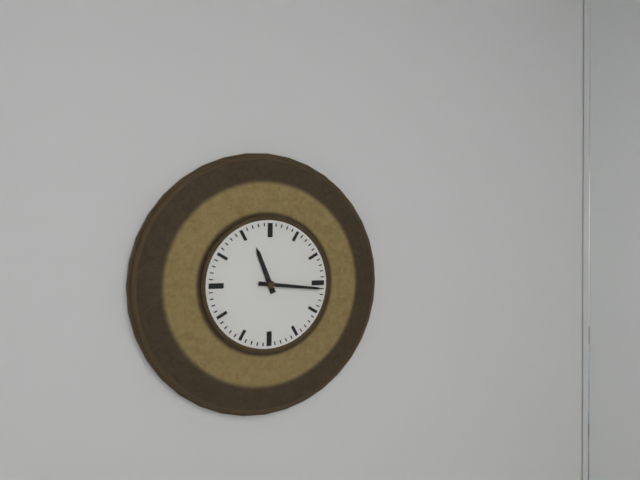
11:16
